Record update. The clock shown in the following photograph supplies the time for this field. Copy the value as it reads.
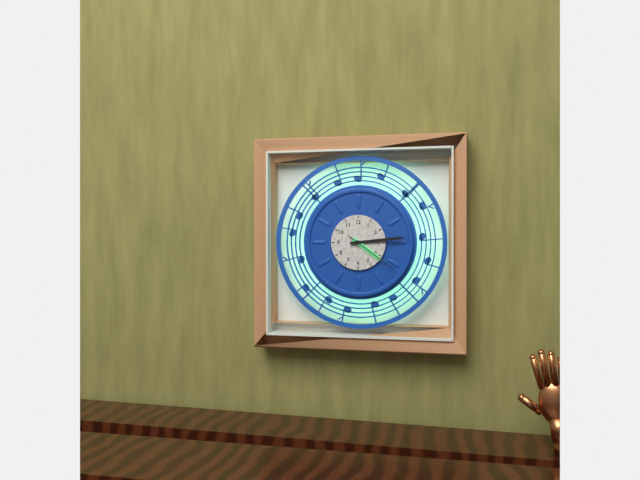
4:14:21
